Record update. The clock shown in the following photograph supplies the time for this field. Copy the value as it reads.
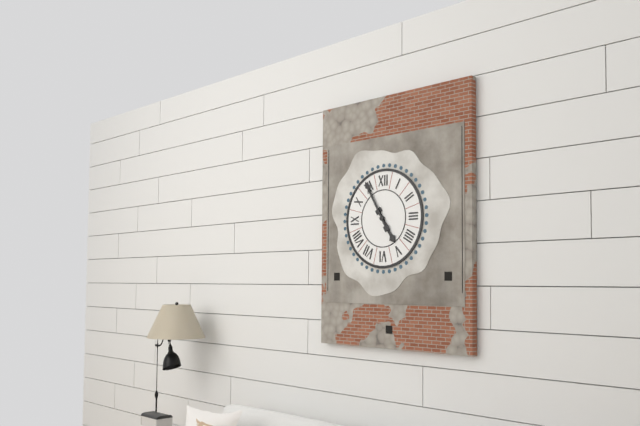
4:55
